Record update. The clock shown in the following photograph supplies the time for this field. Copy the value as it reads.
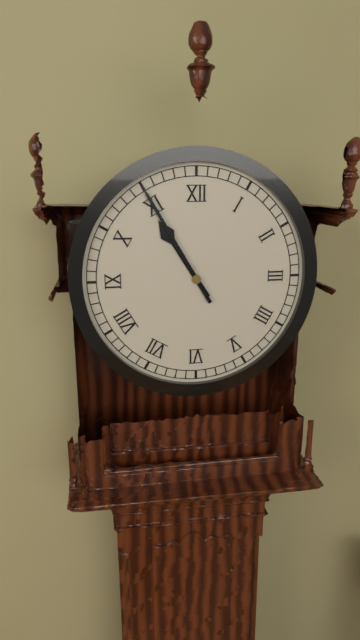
10:55
